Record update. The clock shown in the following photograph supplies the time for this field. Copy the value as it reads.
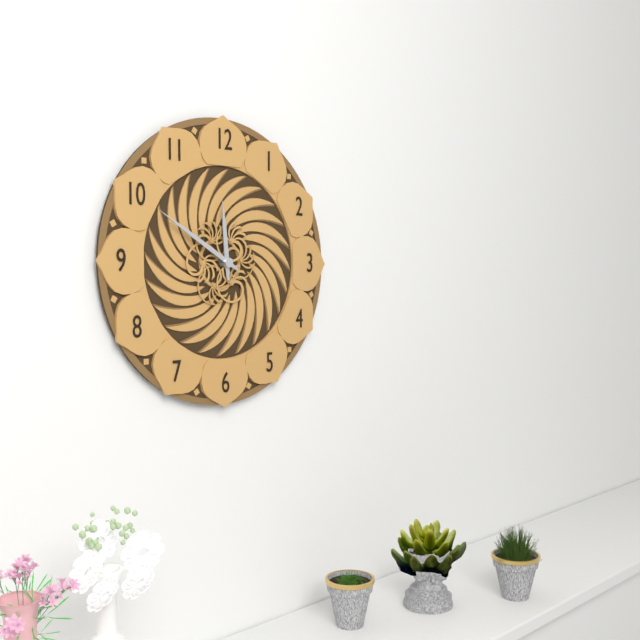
11:50
